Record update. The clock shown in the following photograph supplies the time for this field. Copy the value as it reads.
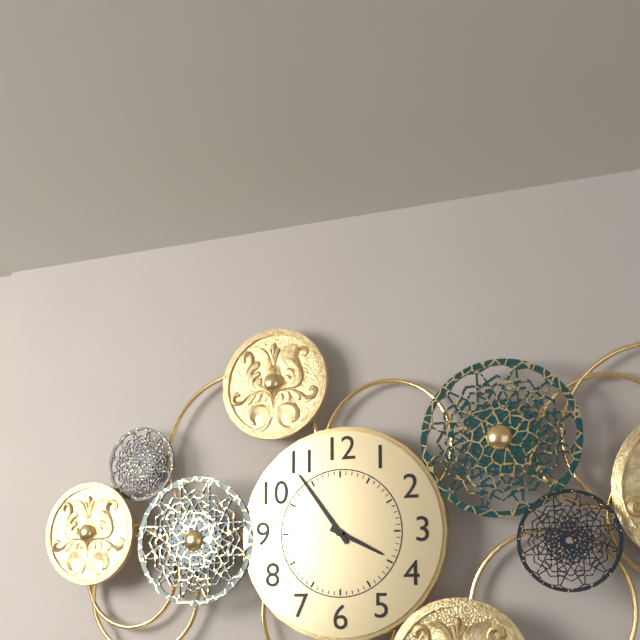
3:54
